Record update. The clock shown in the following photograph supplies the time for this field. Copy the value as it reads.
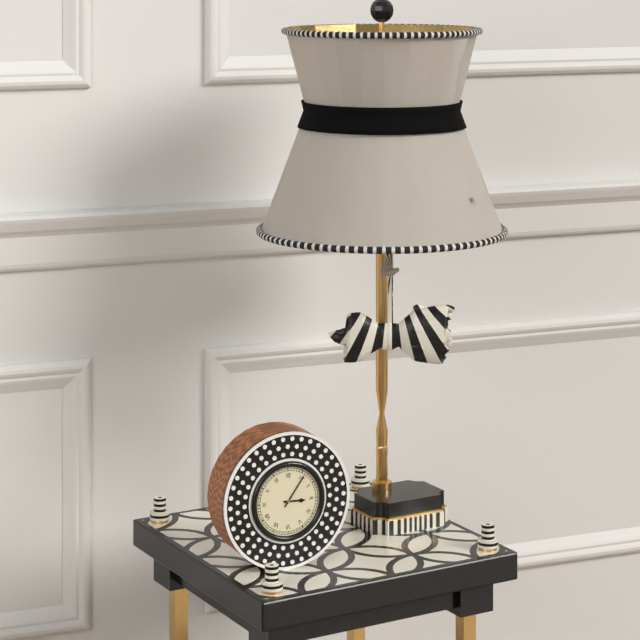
3:06
